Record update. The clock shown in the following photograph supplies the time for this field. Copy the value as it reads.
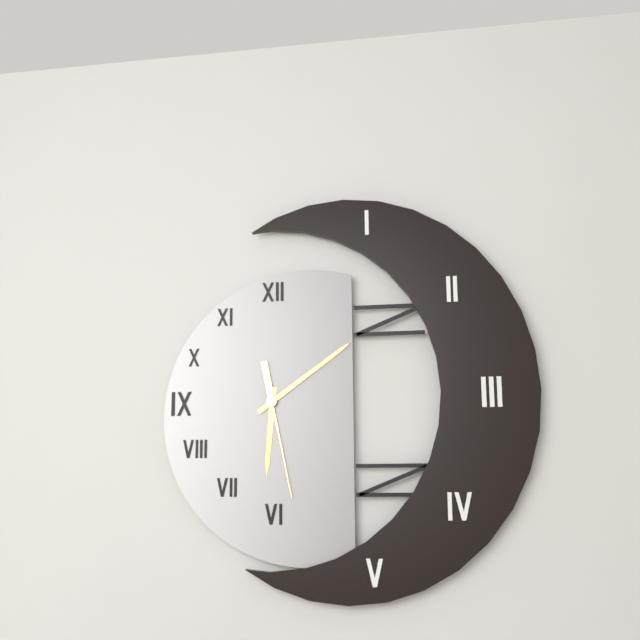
6:09:28
